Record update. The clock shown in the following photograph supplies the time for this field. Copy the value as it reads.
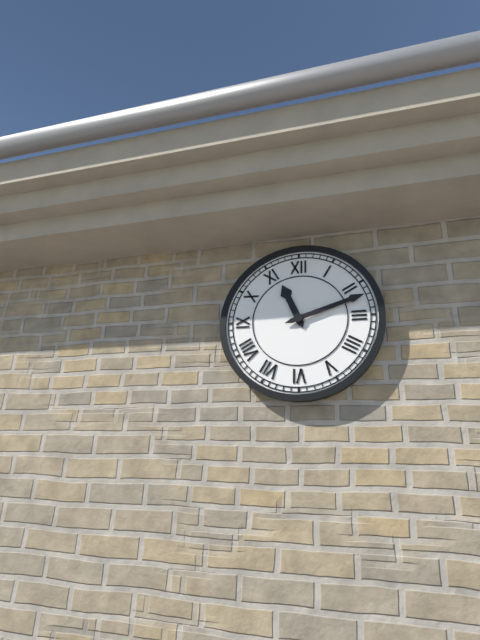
11:12
